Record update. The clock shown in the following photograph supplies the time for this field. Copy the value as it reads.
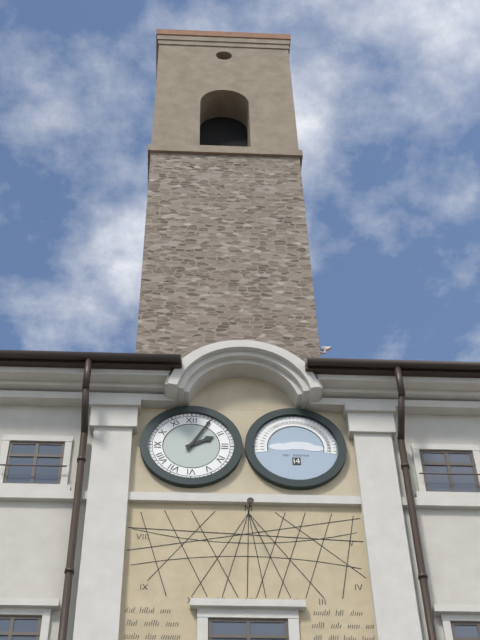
2:05
